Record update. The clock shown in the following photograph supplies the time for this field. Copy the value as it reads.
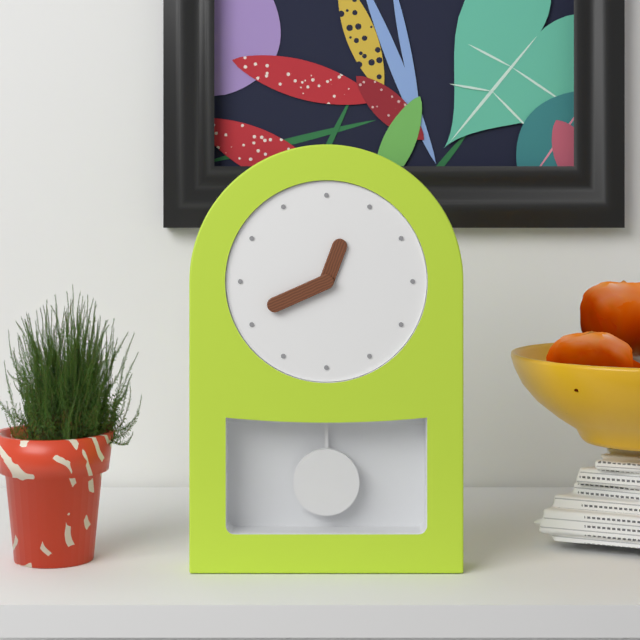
12:41
